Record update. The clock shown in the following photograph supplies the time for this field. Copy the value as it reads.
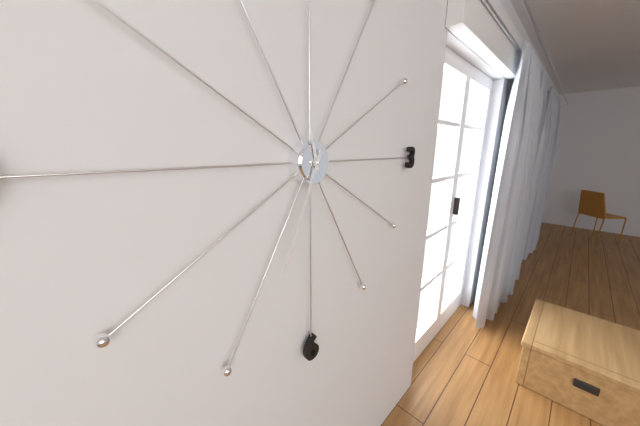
11:34
